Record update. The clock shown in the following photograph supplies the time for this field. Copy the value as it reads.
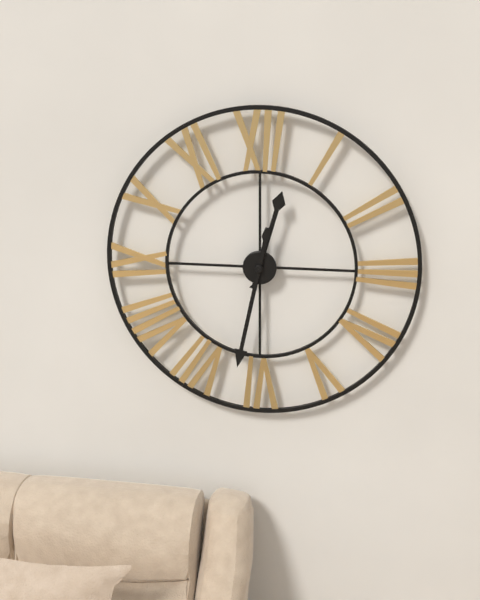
12:32
